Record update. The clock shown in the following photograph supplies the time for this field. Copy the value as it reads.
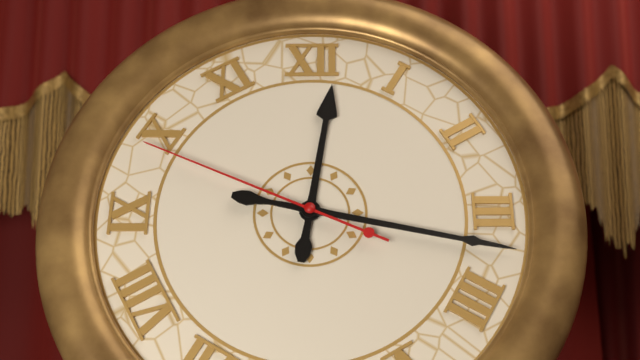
12:17:49
